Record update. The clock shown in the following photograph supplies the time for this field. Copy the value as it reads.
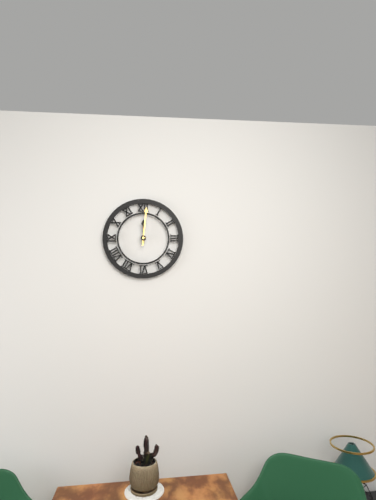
12:01
